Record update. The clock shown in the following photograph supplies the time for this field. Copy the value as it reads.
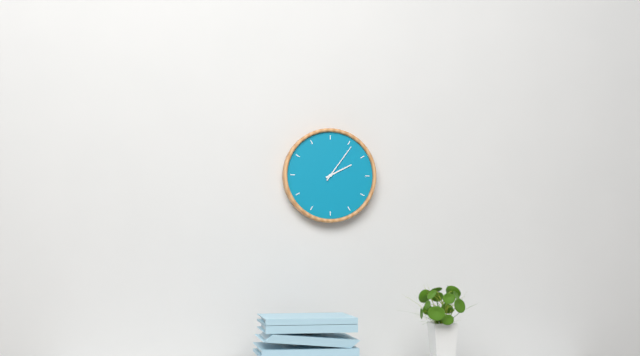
2:06
